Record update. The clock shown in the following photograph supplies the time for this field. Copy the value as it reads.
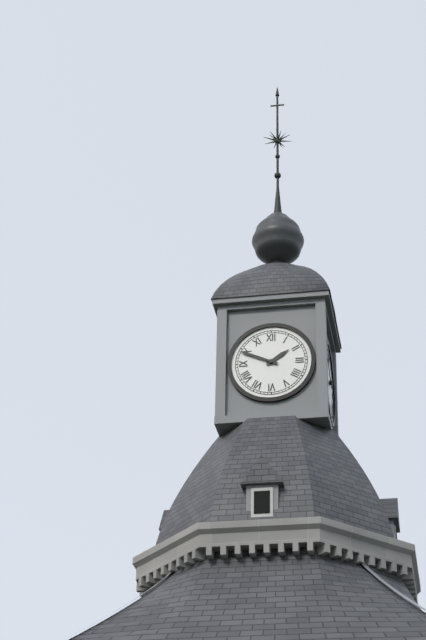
1:49
